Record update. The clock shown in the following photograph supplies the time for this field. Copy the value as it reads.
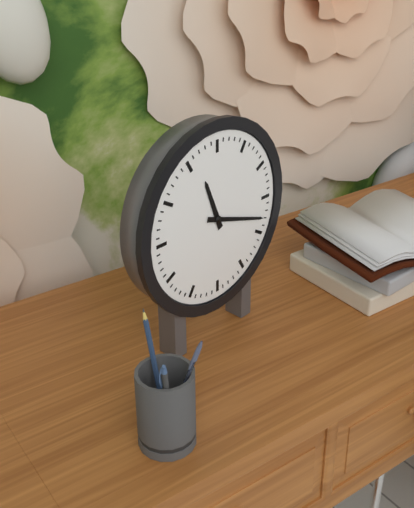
11:18
